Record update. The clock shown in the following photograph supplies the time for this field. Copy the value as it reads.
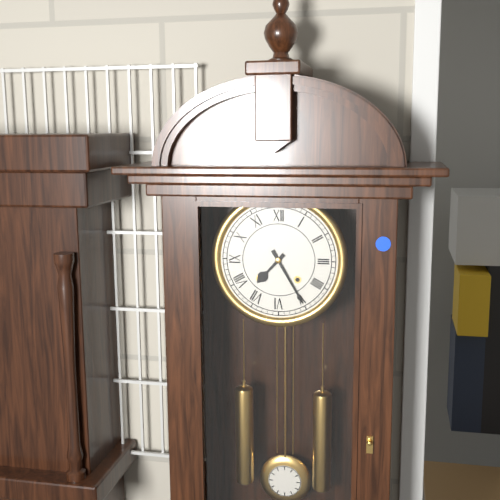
7:25
